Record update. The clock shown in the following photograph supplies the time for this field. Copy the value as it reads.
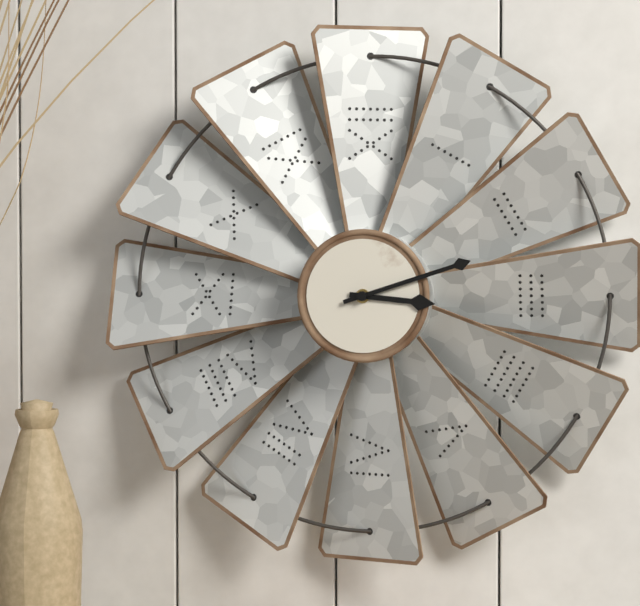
3:12
